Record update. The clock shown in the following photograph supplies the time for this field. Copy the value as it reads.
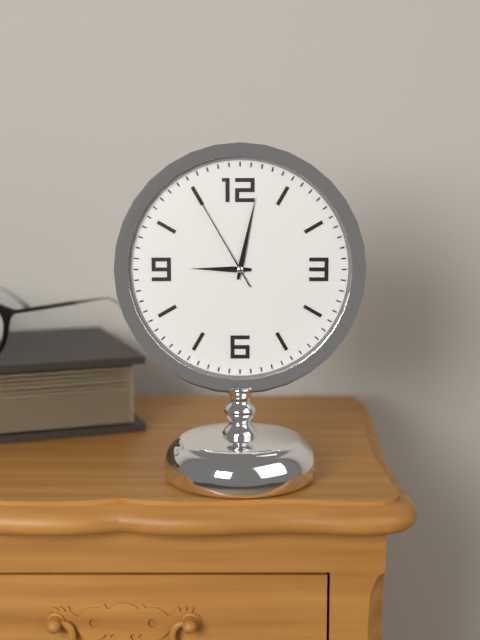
9:02:55
